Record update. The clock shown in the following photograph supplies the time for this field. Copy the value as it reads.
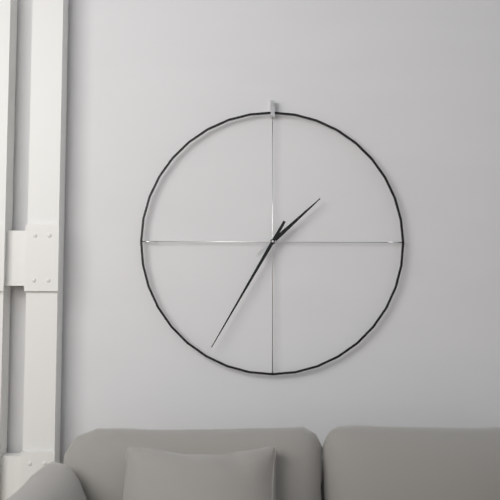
1:35
